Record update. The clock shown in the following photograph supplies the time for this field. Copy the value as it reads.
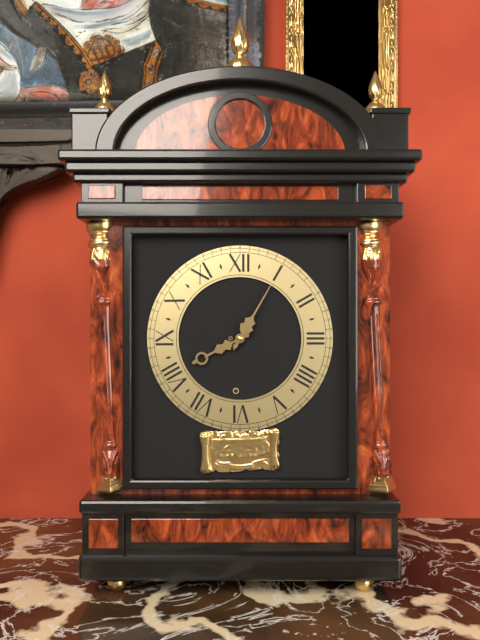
8:05
